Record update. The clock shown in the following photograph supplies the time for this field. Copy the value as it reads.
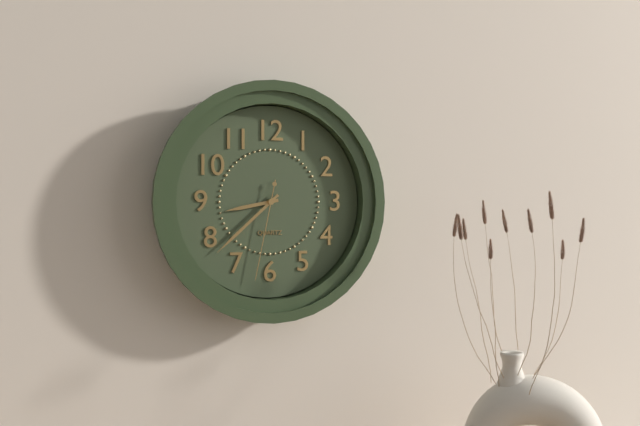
8:38:32
